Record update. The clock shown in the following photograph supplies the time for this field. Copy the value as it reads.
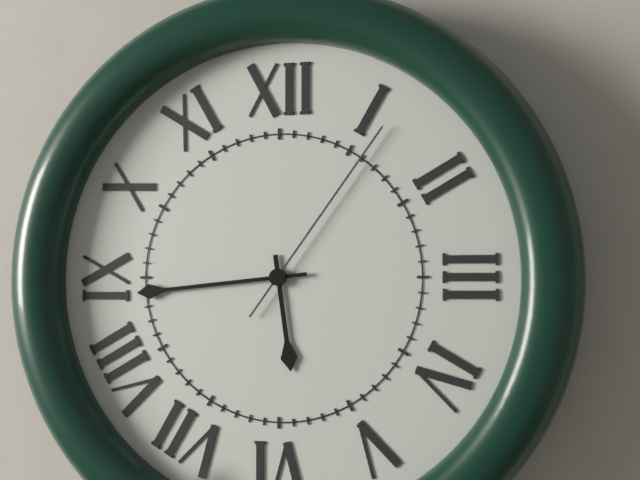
5:44:06
